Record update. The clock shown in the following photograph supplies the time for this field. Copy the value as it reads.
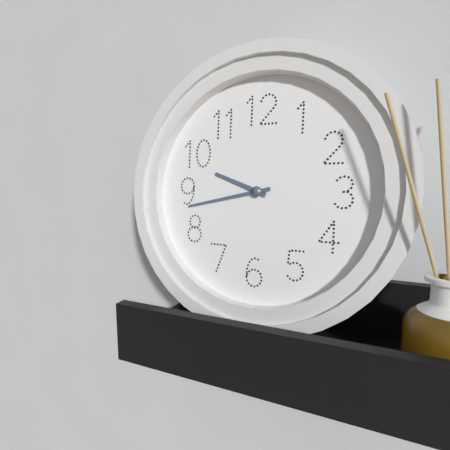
9:43
